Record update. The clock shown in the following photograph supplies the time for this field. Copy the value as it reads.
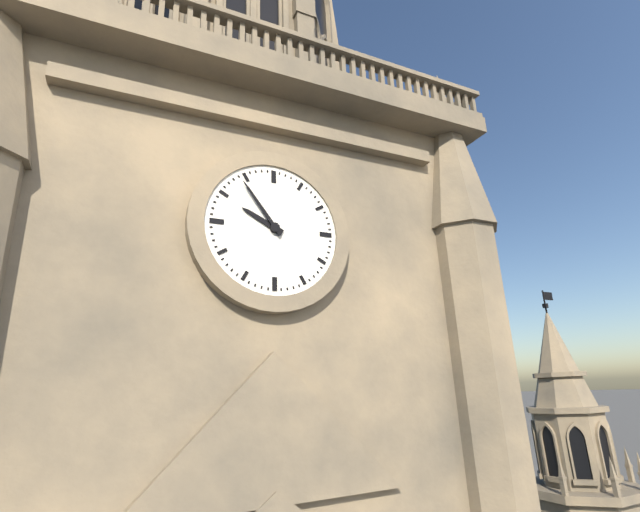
9:54
